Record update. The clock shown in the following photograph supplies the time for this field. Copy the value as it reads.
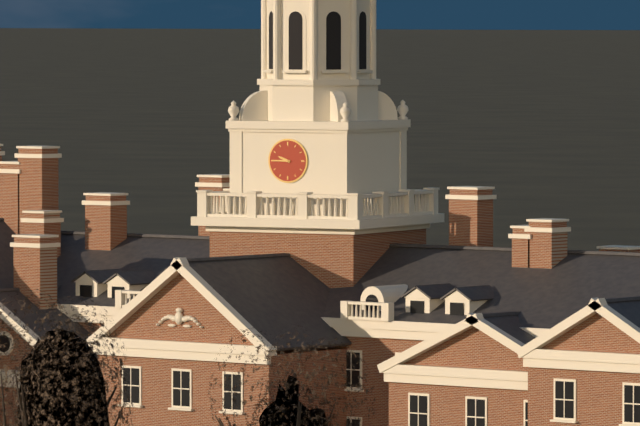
9:45
